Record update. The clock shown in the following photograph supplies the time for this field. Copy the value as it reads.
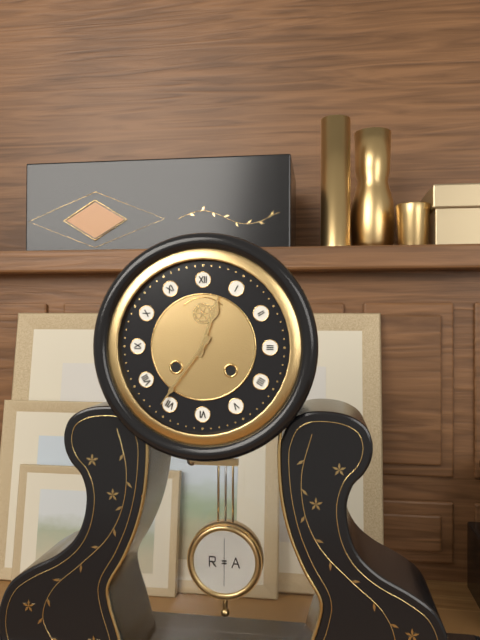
12:36
